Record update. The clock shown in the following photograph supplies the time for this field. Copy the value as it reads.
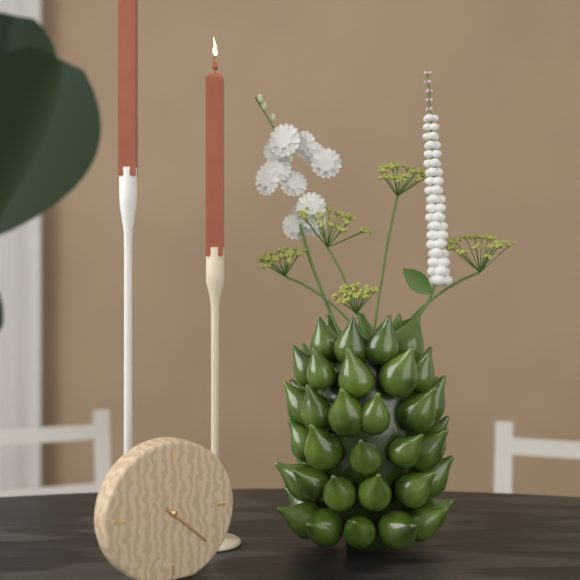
4:22
